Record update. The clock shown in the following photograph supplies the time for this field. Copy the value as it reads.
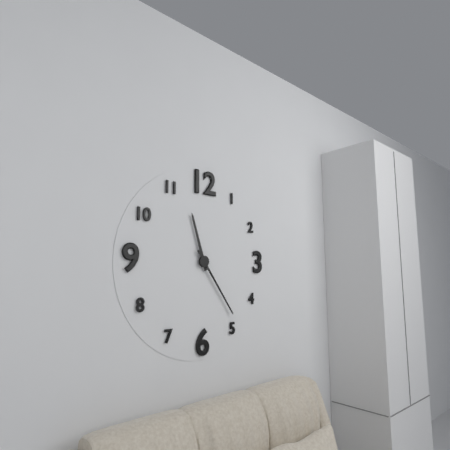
11:24
